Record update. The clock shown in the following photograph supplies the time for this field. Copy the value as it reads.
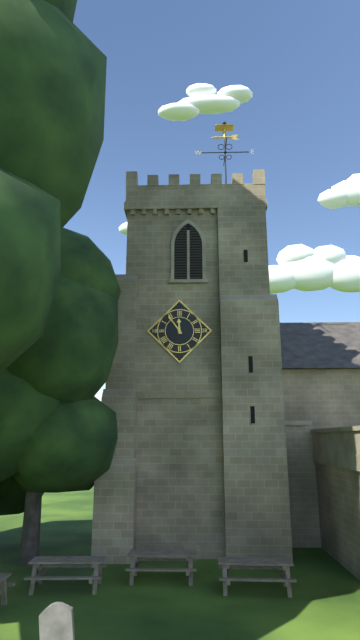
11:54
